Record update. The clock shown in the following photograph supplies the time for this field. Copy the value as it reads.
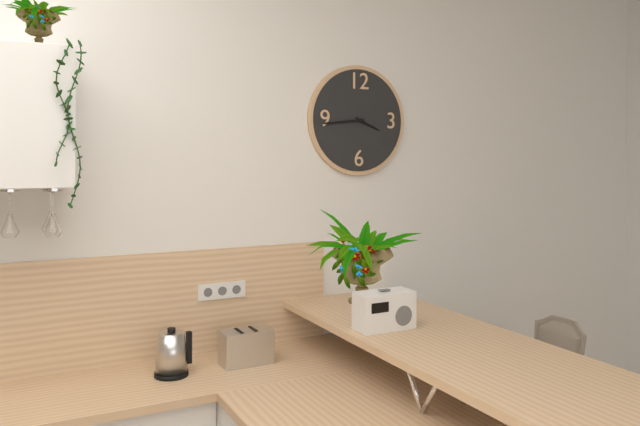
3:44
